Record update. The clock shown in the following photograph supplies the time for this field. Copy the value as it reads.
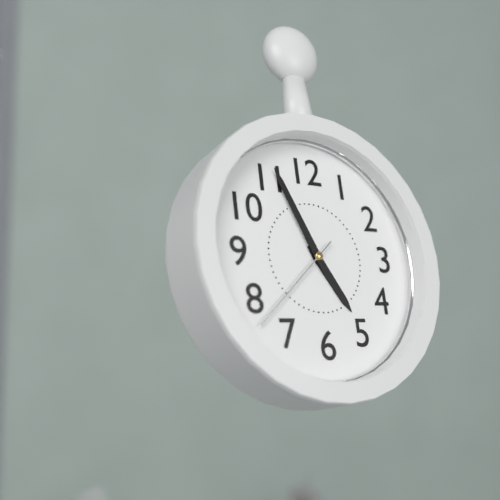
4:56:38
